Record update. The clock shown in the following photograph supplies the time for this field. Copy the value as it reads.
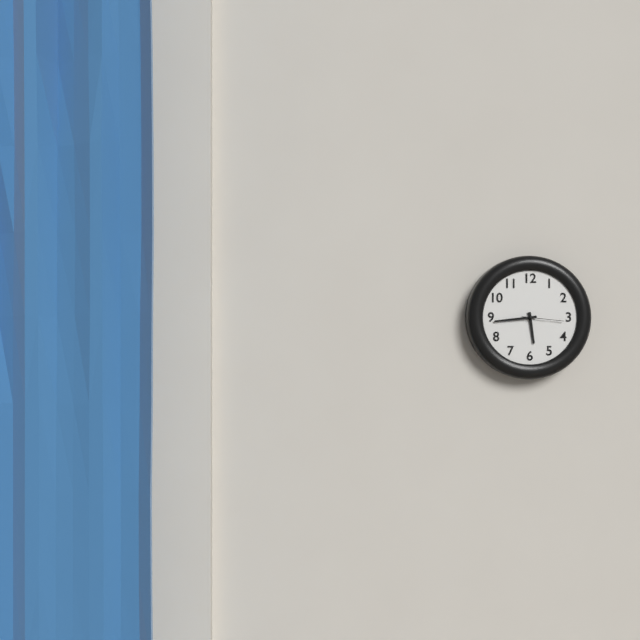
5:44
